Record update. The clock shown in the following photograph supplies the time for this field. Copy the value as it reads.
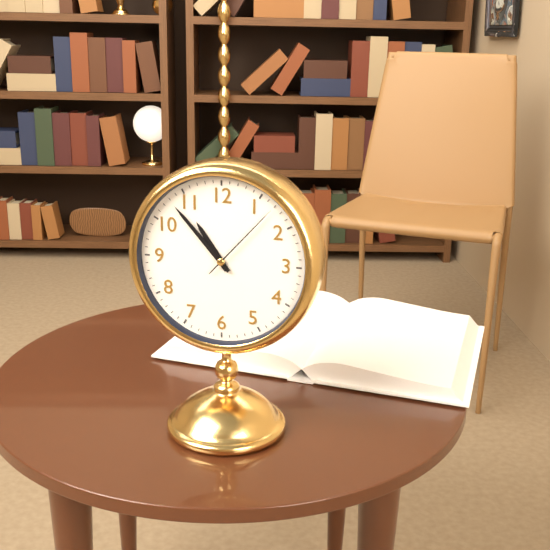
10:53:07
